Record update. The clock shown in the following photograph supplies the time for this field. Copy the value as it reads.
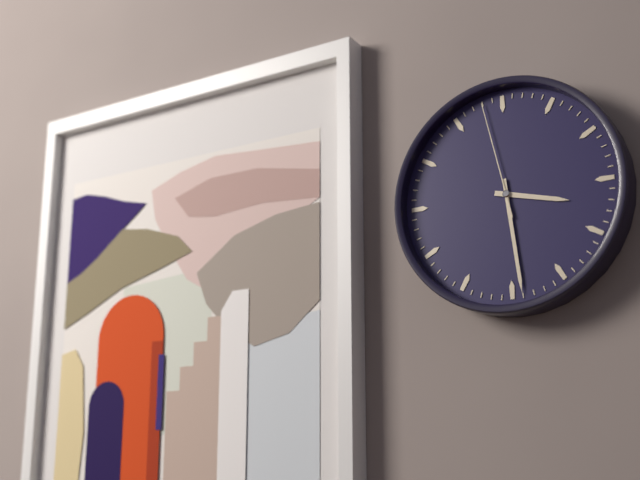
3:29:58
